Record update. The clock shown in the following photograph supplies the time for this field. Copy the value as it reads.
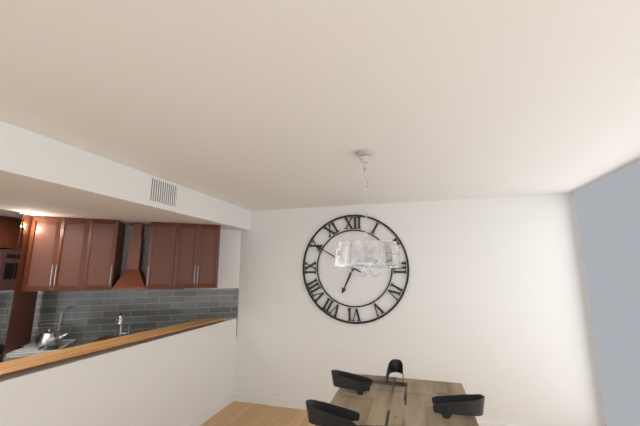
6:50
